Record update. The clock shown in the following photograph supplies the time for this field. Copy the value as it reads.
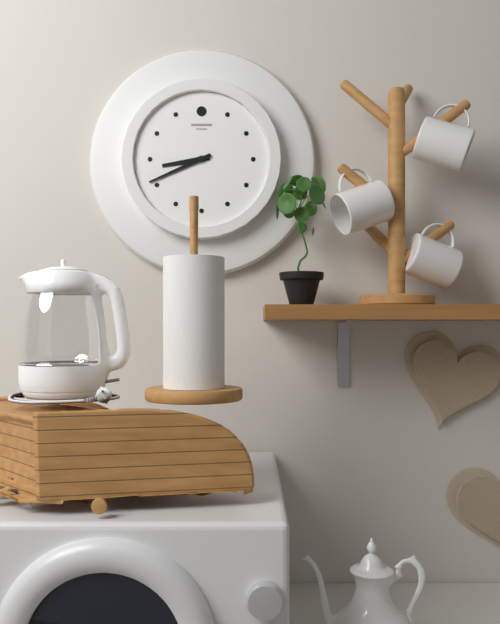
8:41
